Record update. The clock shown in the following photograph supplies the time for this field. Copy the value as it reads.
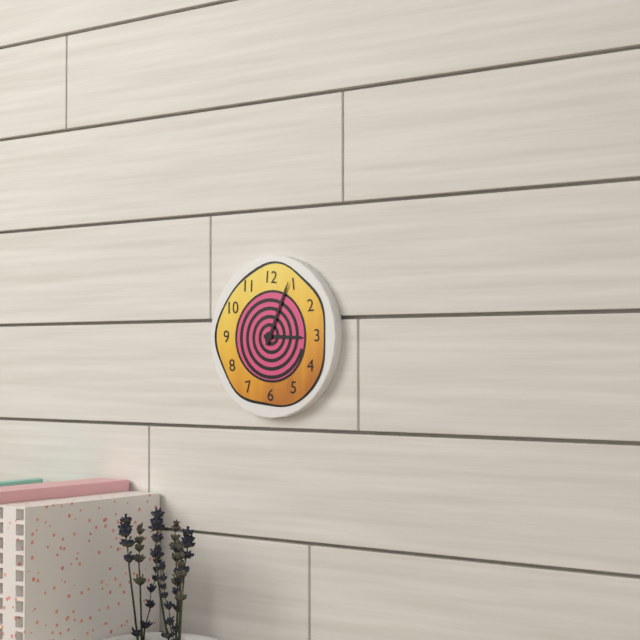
3:04
